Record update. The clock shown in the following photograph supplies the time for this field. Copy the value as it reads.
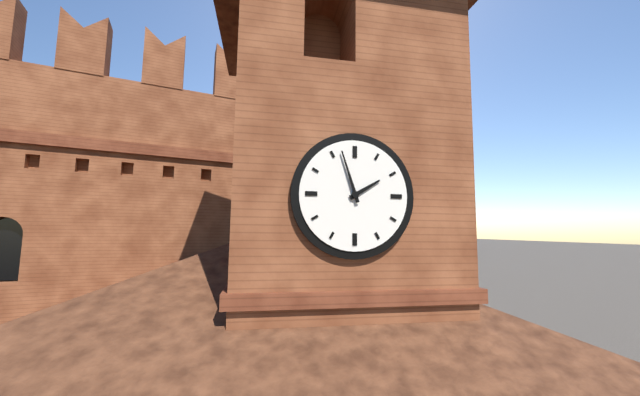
1:57
